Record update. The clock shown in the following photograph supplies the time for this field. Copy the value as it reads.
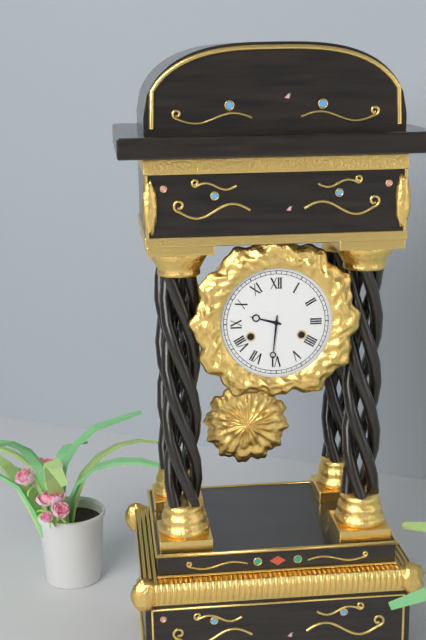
9:31
